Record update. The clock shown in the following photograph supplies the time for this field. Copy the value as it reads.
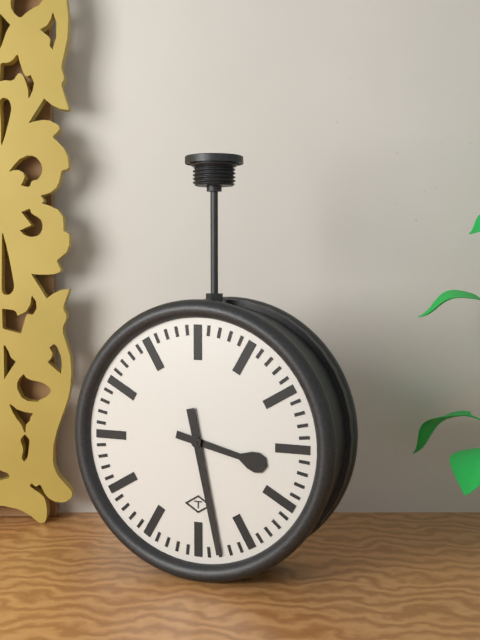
3:28
